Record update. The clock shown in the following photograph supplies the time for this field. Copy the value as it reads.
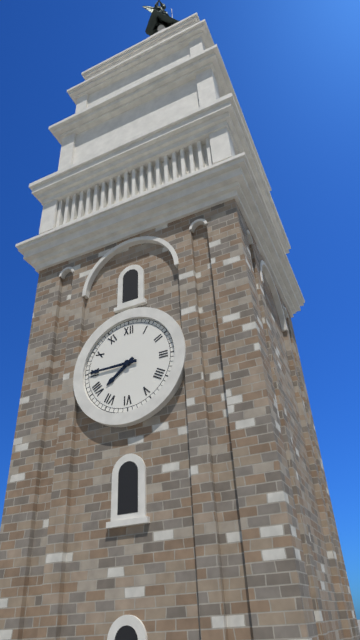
7:45
